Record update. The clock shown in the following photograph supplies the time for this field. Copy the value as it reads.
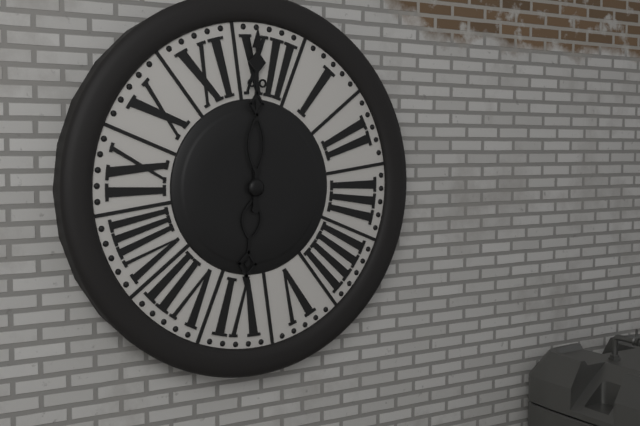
5:59
